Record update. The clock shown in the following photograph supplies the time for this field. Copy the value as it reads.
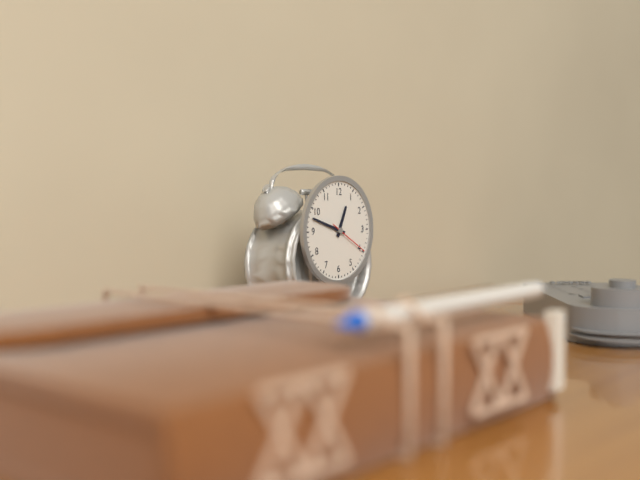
12:48
